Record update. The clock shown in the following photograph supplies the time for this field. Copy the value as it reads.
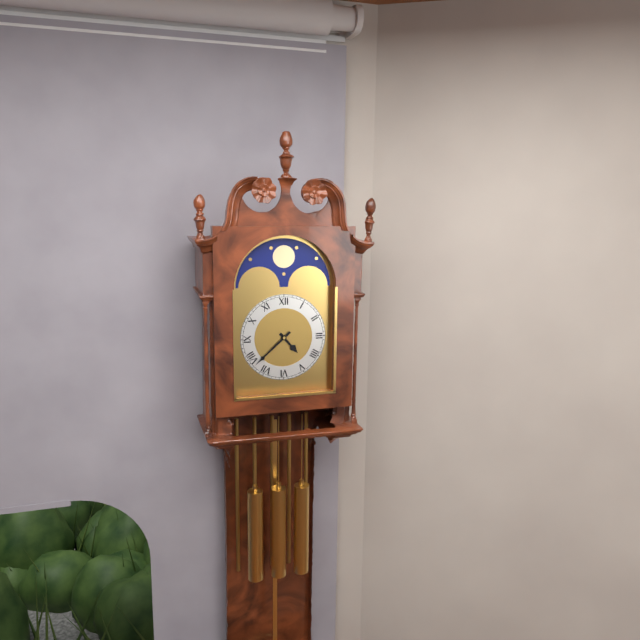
4:38
